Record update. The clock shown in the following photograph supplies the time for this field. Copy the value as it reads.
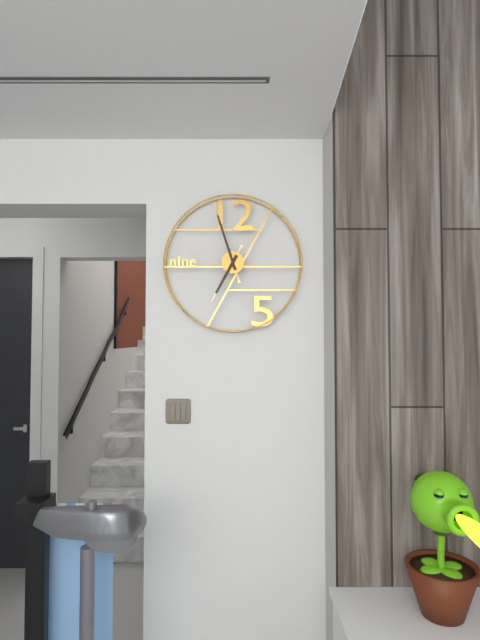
6:57
